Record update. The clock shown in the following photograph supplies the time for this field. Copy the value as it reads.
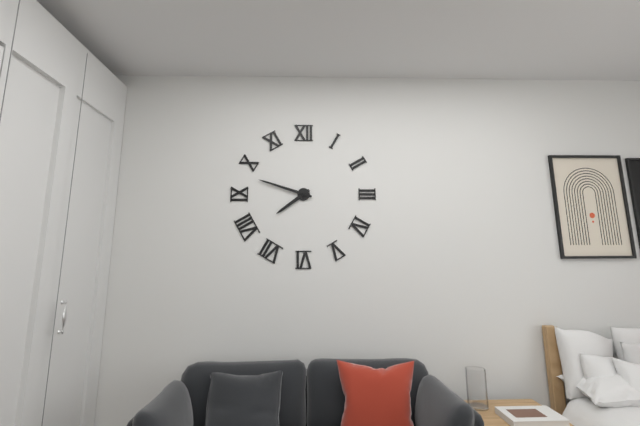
7:48
